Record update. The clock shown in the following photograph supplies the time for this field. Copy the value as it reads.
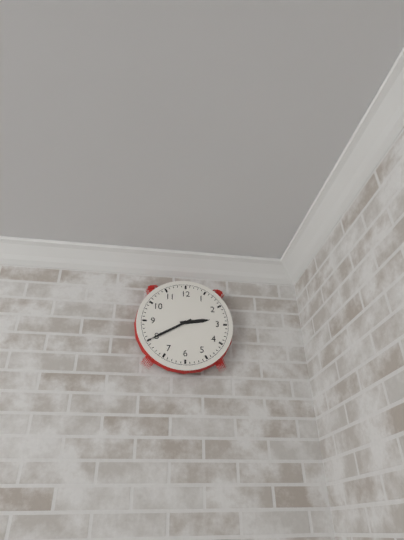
2:40
